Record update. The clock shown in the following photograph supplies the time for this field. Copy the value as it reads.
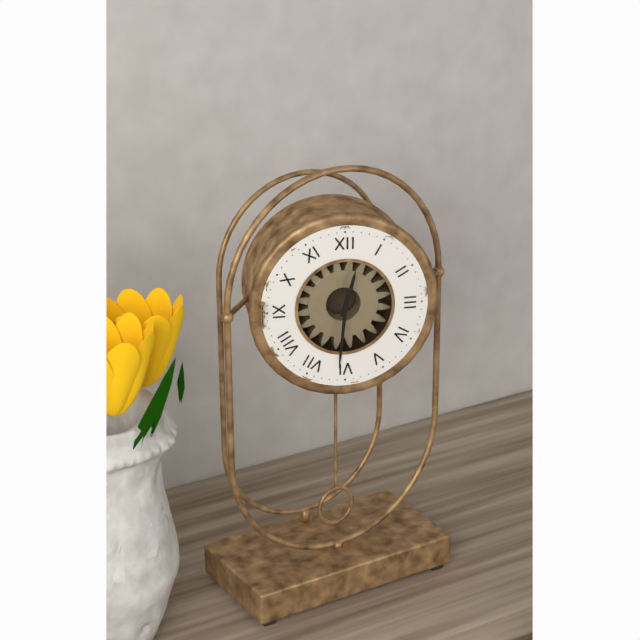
12:31
